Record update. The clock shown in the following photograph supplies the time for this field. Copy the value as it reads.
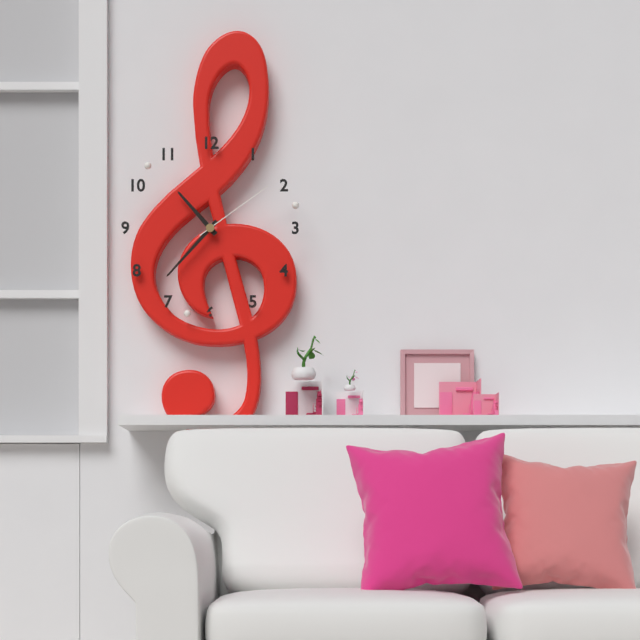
10:37:09
